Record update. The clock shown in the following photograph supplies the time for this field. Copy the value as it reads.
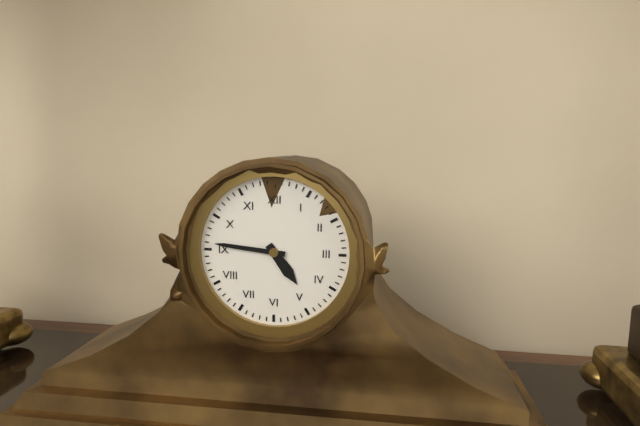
4:46
